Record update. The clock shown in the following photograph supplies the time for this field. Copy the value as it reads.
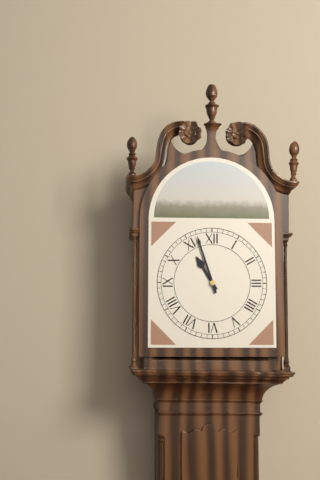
10:57
